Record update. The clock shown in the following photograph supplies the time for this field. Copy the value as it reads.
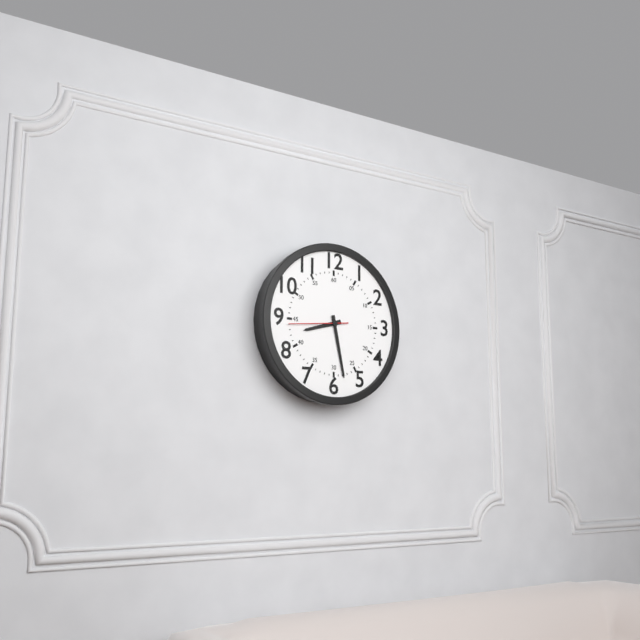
8:28:44
